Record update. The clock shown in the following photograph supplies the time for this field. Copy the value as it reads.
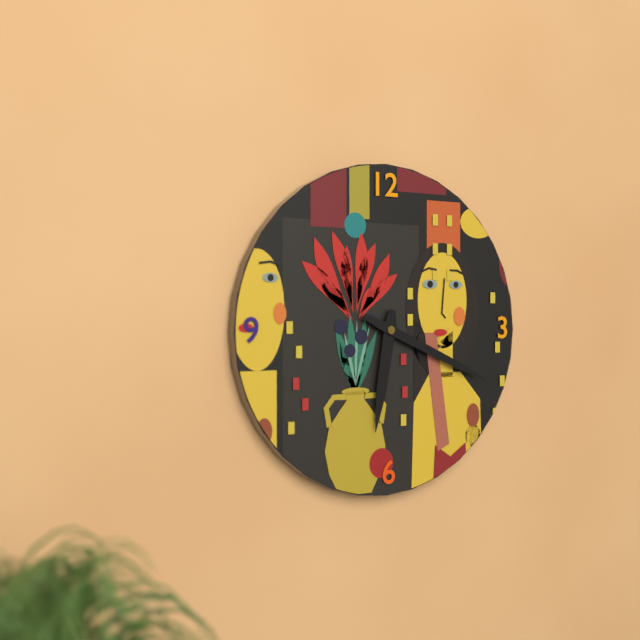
6:19
